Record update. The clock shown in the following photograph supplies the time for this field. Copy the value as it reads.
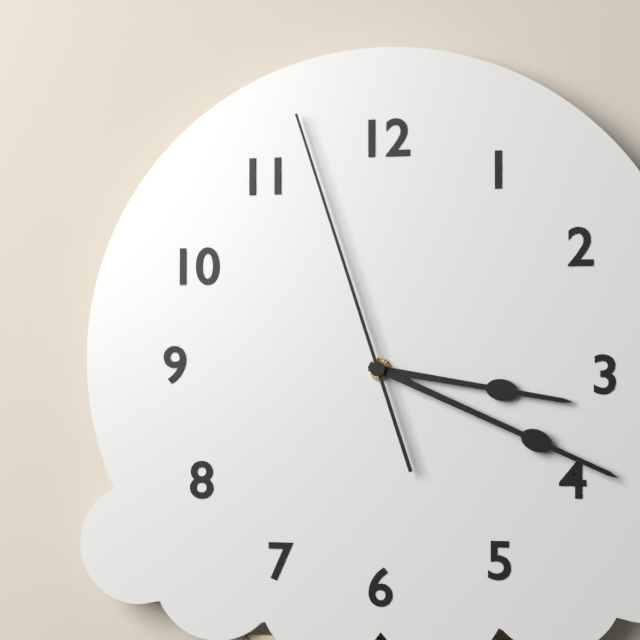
3:19:57
